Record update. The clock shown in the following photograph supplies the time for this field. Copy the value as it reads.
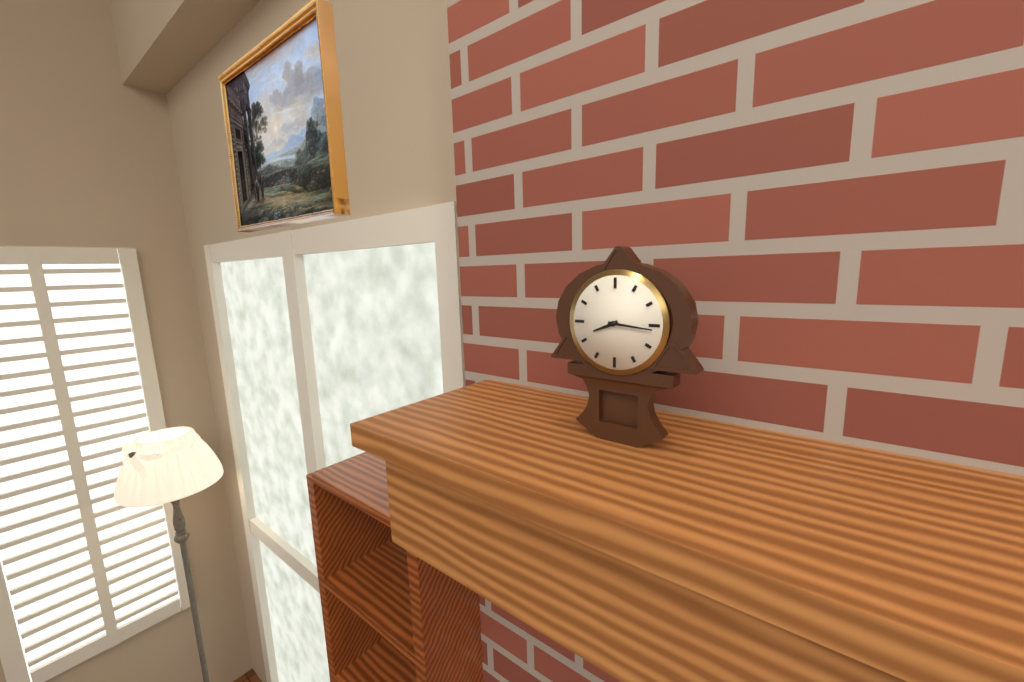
8:16
